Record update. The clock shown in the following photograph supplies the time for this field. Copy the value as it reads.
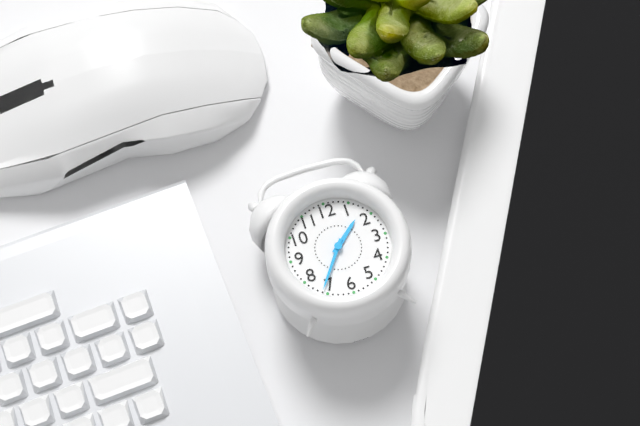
1:36
